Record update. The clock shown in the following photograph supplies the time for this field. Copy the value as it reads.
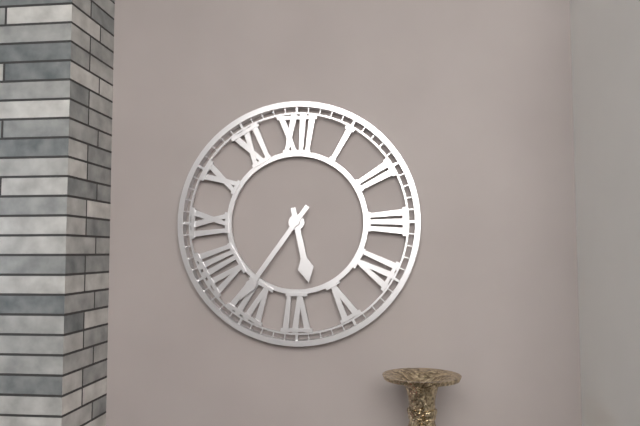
5:36
